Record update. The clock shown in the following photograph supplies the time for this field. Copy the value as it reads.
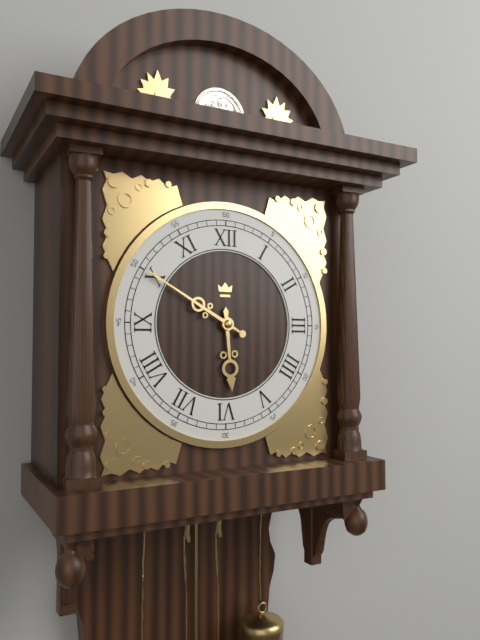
5:50
